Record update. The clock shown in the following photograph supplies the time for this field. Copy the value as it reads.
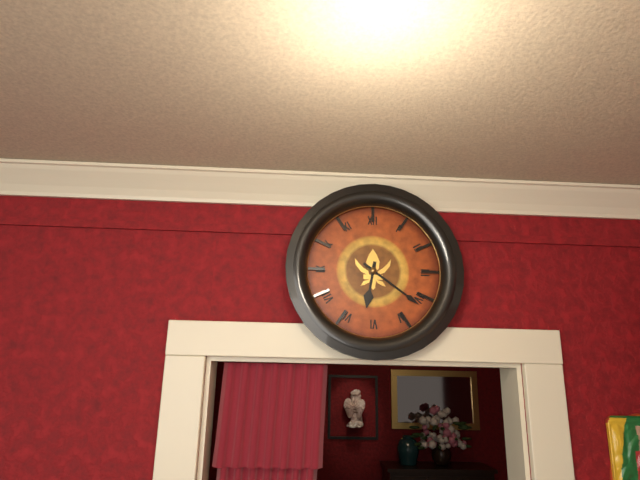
6:21
